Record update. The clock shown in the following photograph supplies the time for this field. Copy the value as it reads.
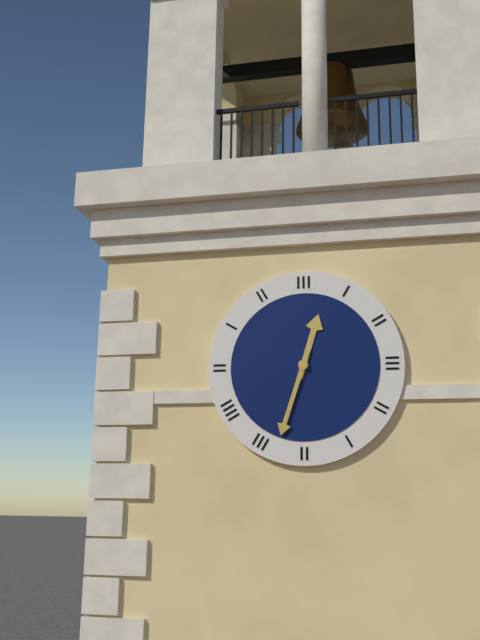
12:33
